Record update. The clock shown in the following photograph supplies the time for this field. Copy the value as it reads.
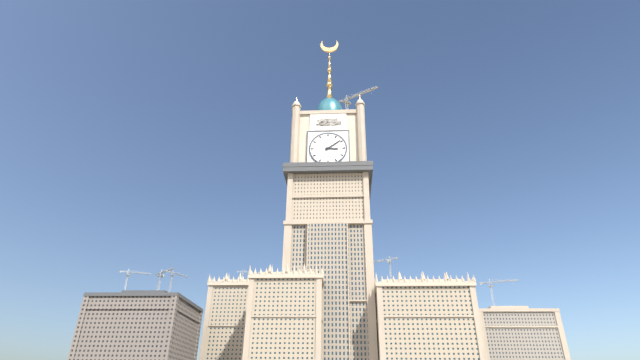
3:09
